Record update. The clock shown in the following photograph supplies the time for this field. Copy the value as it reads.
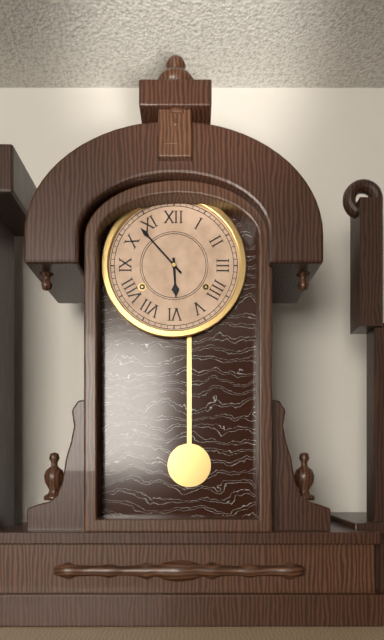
5:53
